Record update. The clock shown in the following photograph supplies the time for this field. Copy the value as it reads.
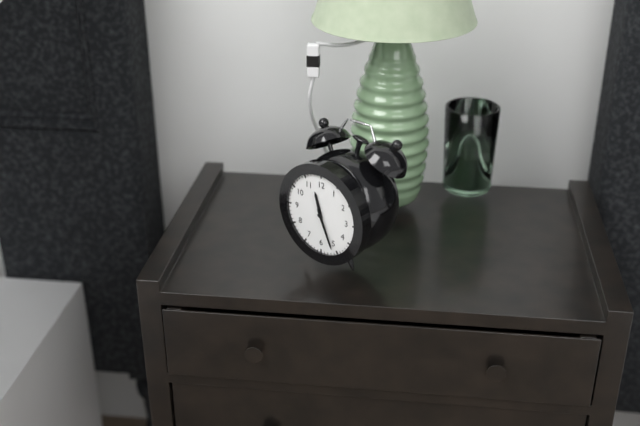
11:26
